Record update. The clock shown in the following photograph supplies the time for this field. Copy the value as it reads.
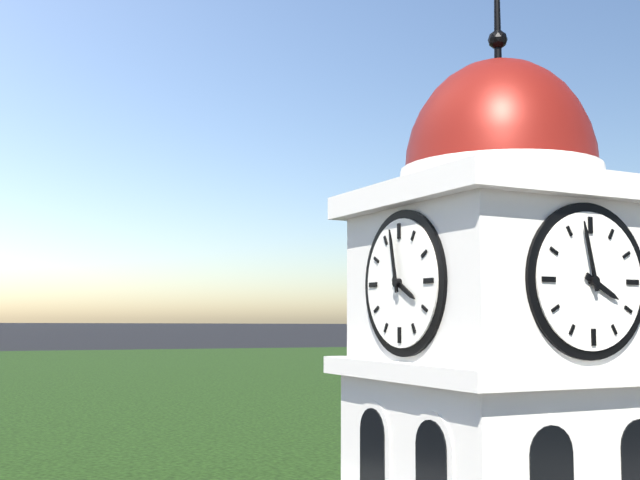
3:58
